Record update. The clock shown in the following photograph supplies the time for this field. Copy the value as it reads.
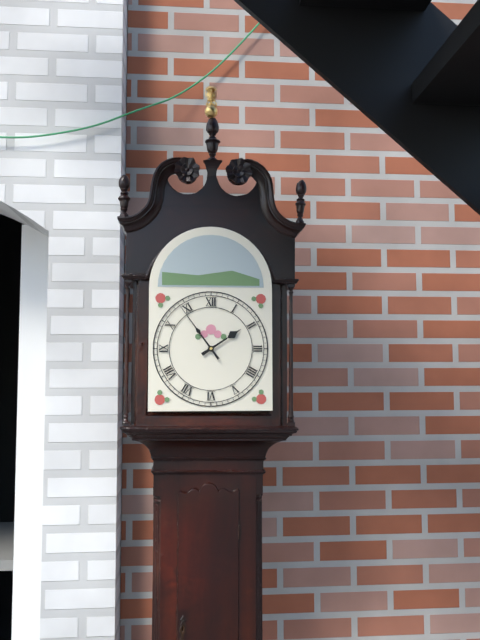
1:54
